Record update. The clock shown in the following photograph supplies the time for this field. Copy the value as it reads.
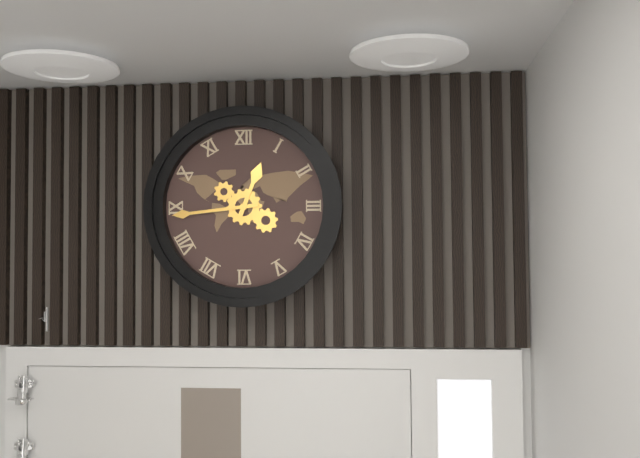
12:44
